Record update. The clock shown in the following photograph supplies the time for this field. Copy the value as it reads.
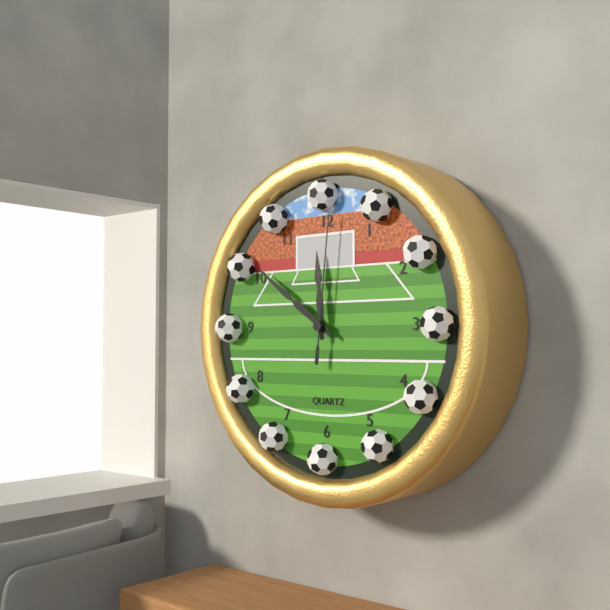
11:51:01
